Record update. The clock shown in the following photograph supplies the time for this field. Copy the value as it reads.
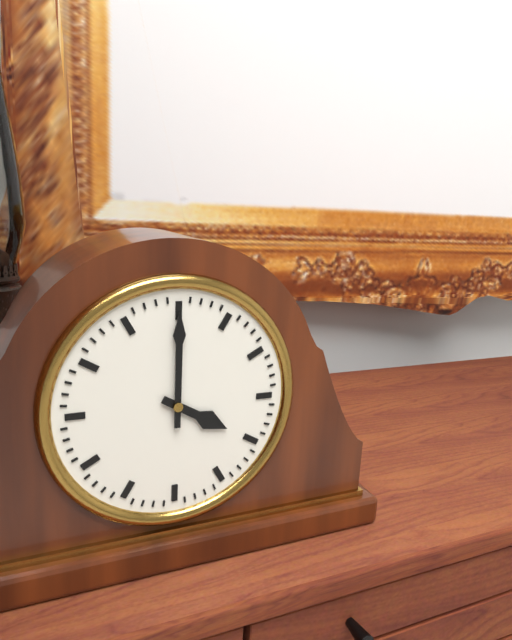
4:00
